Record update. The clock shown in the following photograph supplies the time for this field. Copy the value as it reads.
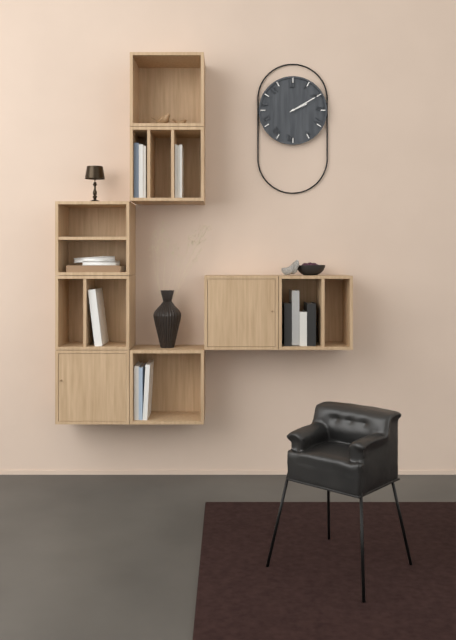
2:10
